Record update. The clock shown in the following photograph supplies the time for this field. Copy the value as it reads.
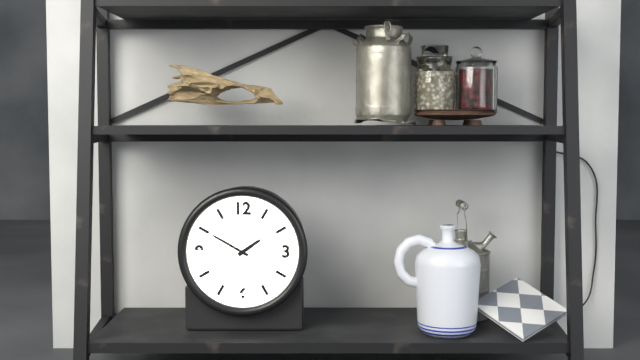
1:50
